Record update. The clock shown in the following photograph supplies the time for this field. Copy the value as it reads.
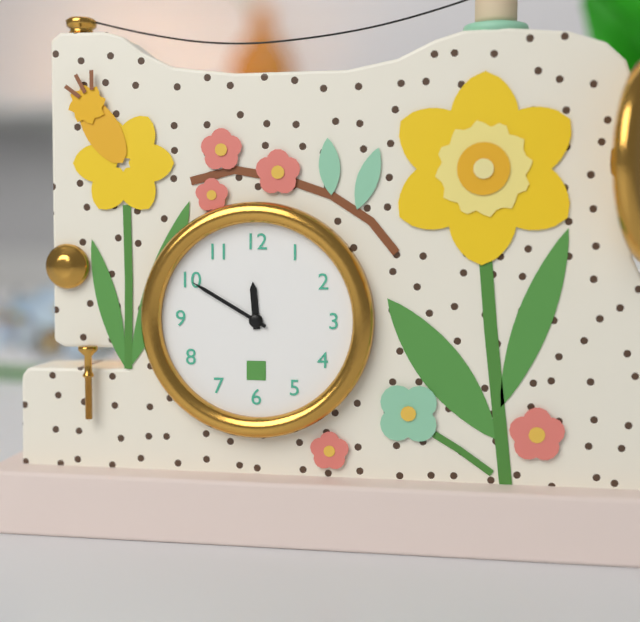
11:50
